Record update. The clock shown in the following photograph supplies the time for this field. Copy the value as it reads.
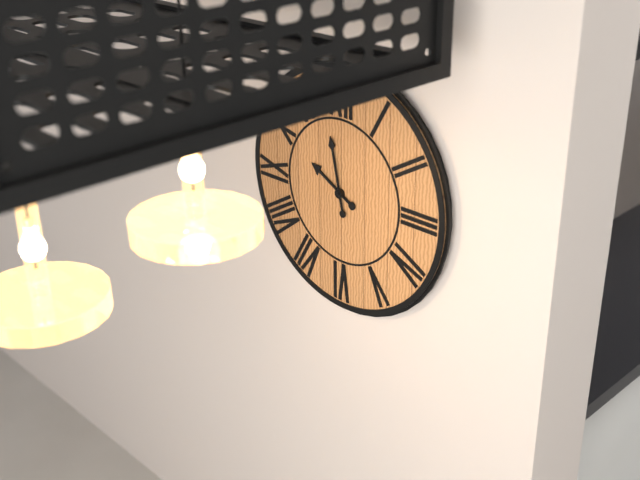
9:58
